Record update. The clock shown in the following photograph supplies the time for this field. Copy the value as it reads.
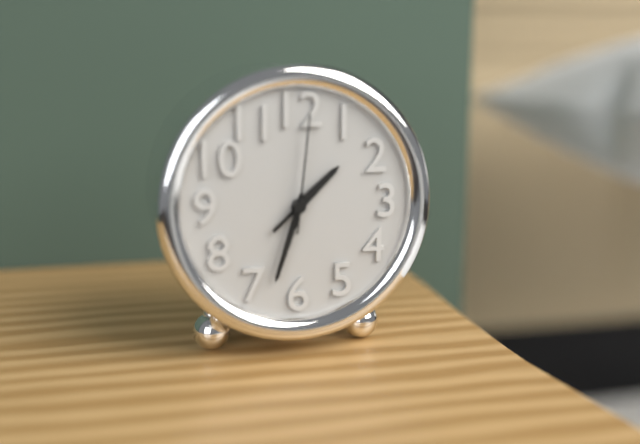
1:33:01
